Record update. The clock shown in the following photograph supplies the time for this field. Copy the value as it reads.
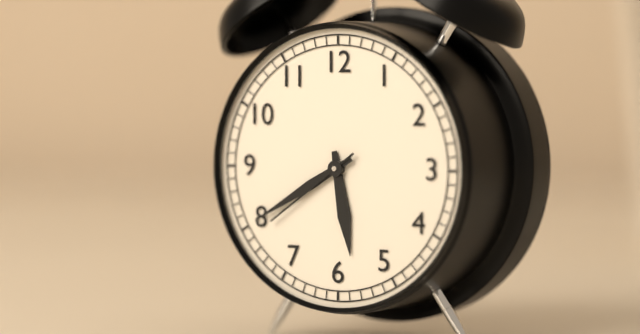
5:40:39
